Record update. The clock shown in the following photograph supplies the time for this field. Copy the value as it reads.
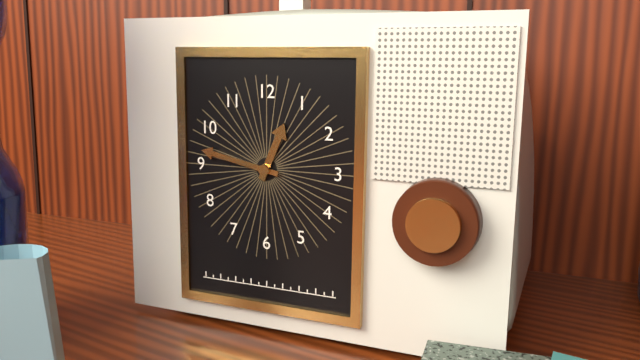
12:47
